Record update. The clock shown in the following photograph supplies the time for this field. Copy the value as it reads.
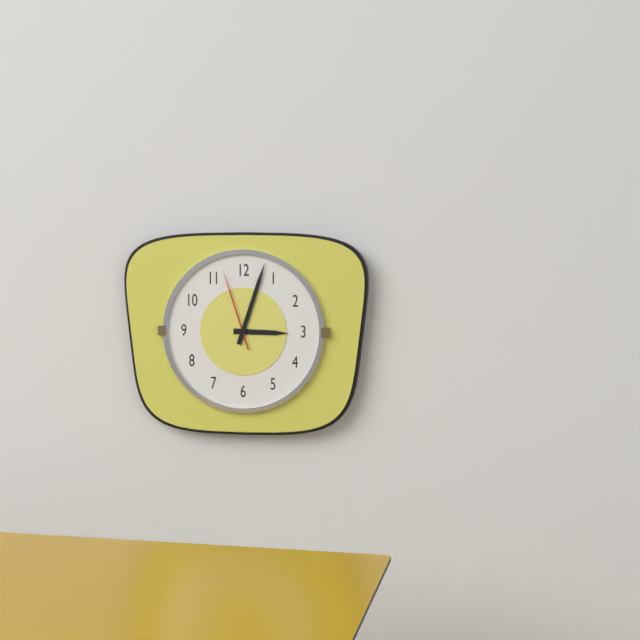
3:03:57
